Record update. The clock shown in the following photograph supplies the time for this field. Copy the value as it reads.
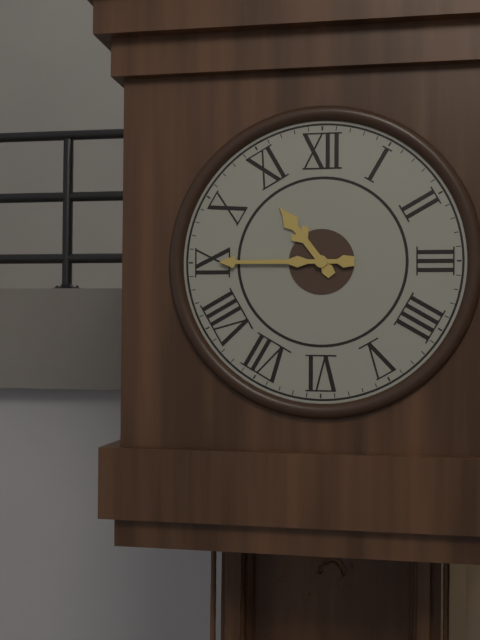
10:45
